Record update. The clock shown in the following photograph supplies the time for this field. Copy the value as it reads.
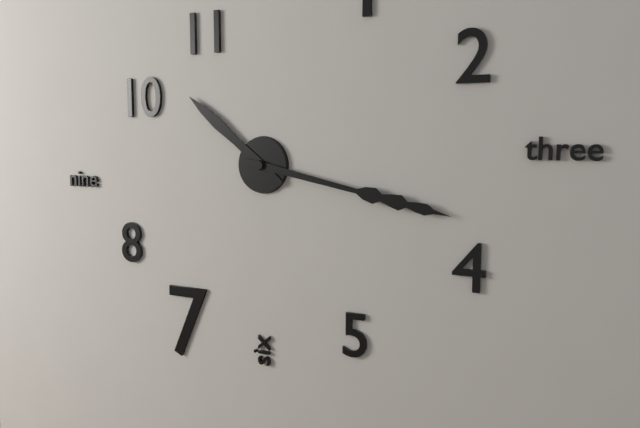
10:17
